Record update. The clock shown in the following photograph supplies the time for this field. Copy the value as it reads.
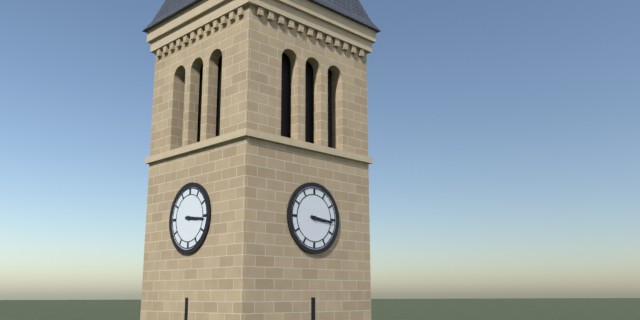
3:16
